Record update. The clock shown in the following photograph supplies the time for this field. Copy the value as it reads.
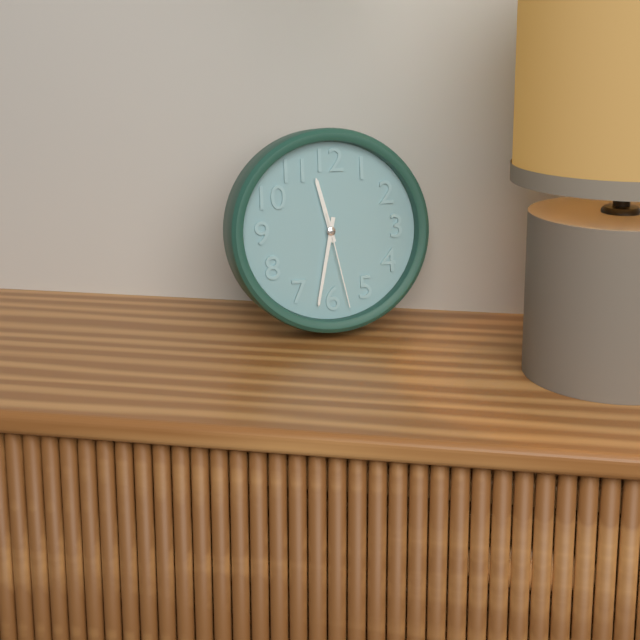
11:32:28
